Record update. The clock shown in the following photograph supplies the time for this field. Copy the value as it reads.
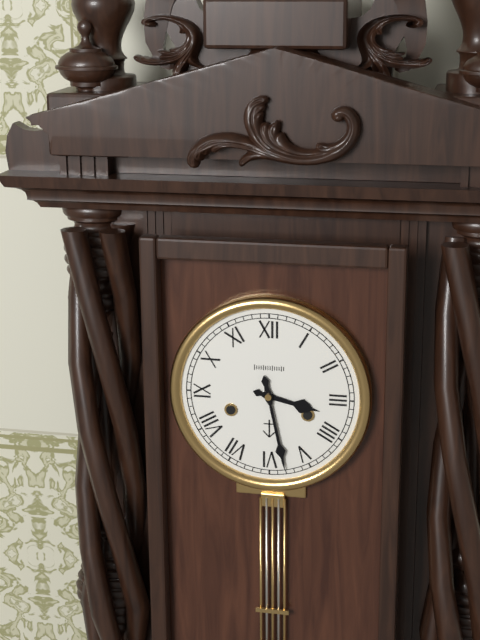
3:28
